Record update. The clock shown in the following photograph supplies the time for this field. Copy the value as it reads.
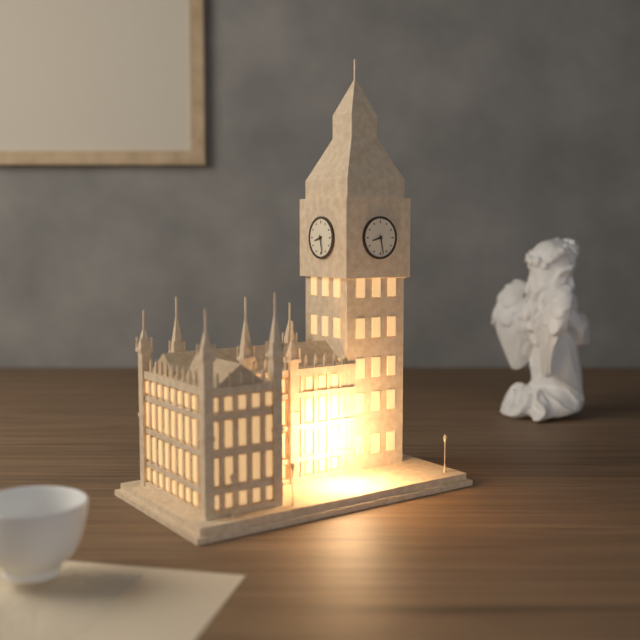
8:28
